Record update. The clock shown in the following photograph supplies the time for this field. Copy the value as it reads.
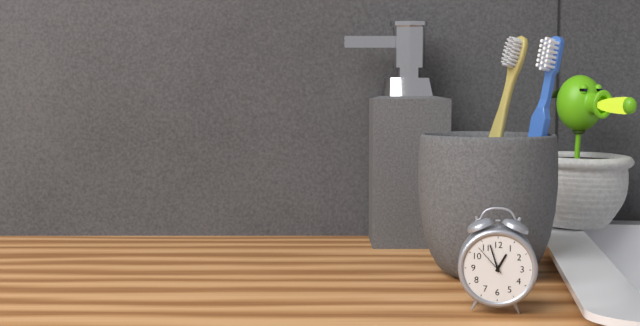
12:57
